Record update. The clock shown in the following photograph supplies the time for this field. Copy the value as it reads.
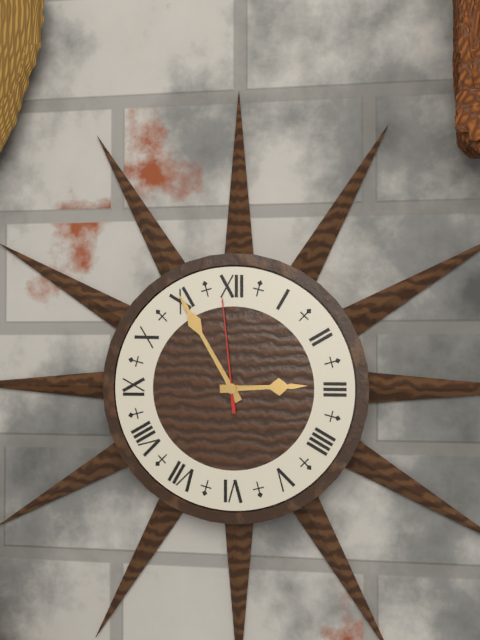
2:55:59
